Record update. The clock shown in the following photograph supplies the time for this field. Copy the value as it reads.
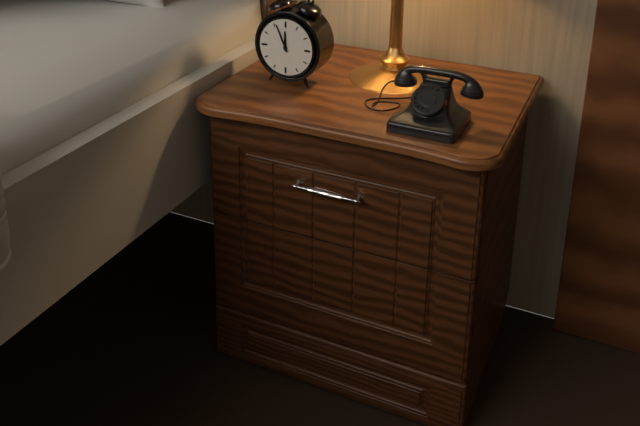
11:56
